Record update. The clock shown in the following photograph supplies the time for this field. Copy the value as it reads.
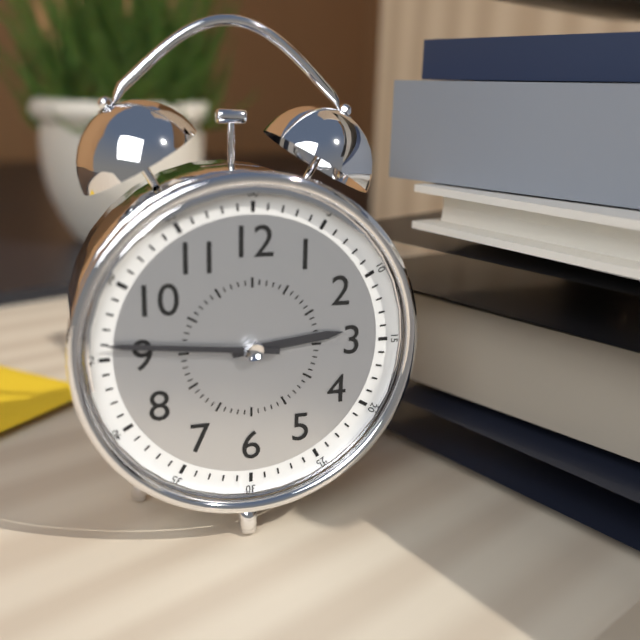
2:46
